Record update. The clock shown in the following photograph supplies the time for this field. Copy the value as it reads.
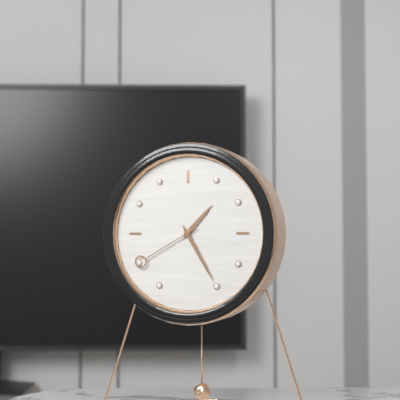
1:25:40
